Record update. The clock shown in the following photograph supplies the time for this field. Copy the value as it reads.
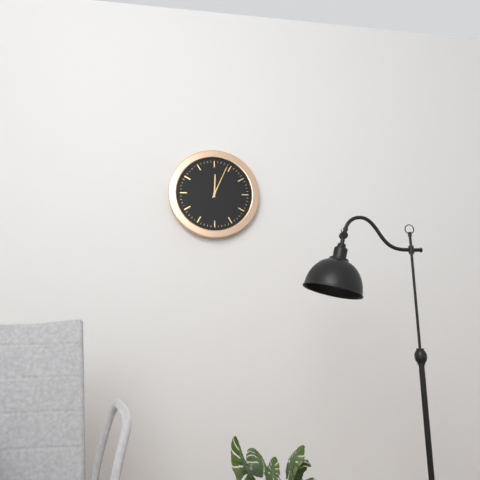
12:04
